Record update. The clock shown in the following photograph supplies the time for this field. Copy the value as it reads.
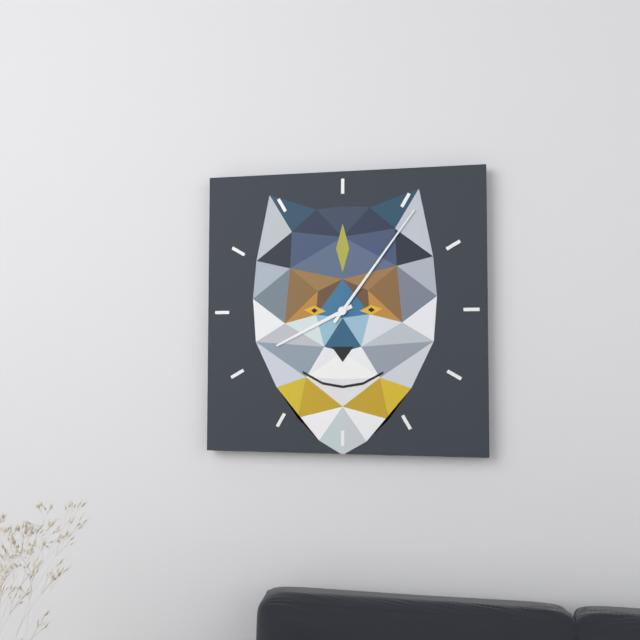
8:06
